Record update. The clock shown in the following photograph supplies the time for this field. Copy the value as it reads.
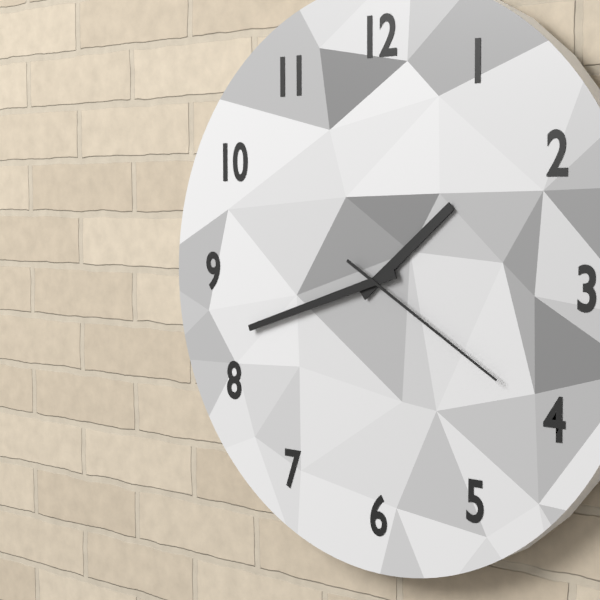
1:42:20
